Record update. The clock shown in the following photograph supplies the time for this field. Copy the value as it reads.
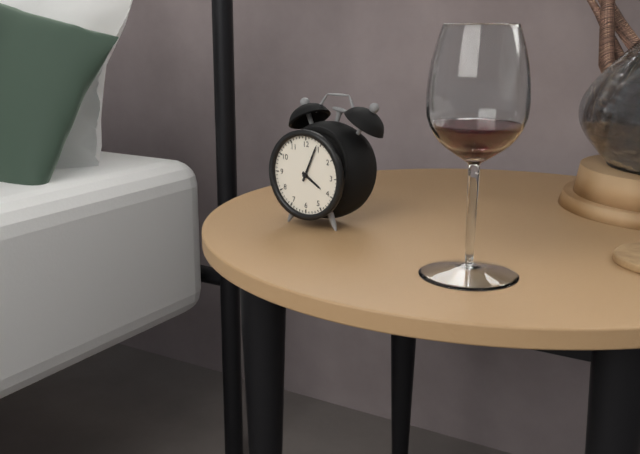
4:04
